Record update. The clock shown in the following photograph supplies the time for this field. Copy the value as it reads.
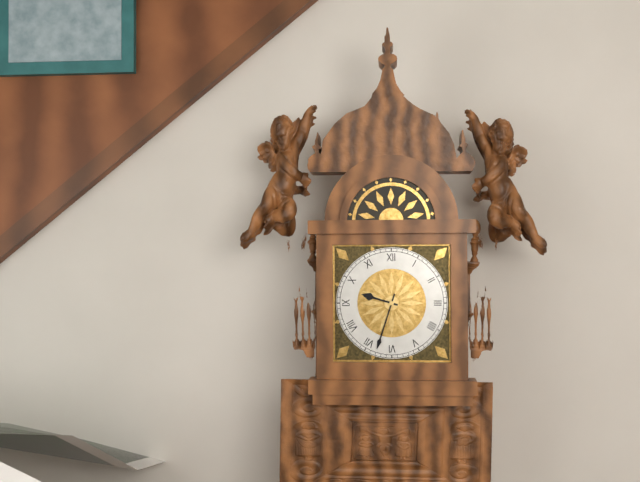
9:33
